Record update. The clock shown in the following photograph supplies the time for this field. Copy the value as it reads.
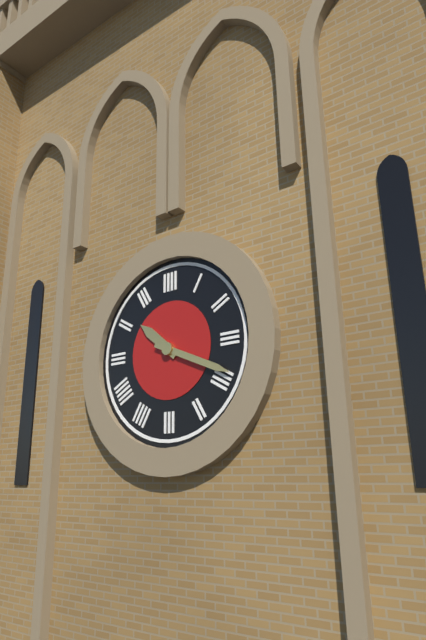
10:19
